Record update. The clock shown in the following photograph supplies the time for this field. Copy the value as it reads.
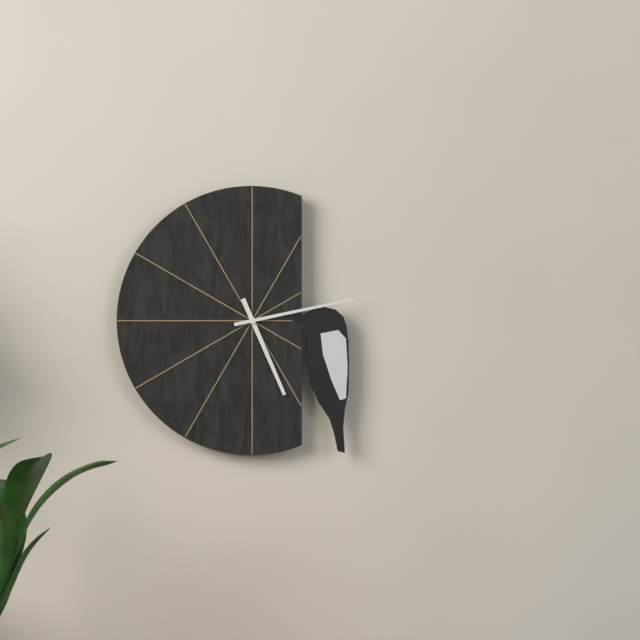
5:13
